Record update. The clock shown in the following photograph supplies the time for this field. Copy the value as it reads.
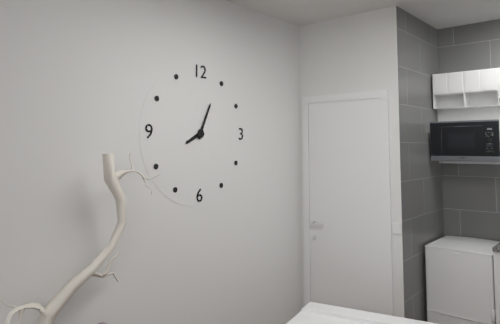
8:04
